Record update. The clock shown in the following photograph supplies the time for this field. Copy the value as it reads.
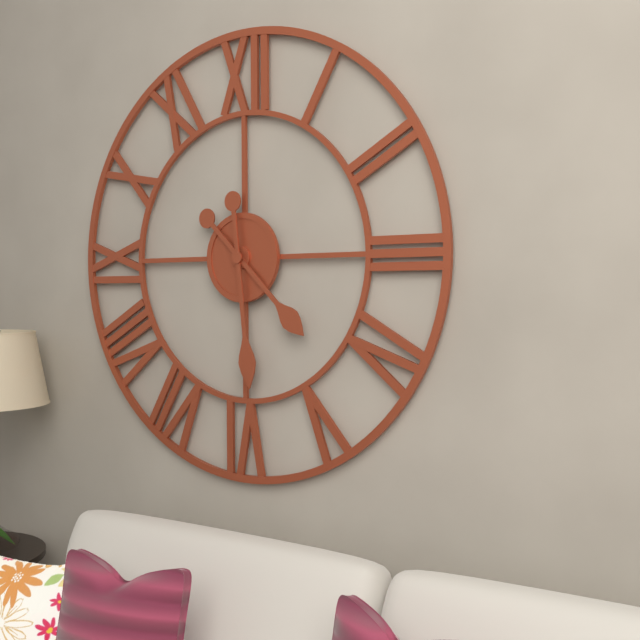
4:29
